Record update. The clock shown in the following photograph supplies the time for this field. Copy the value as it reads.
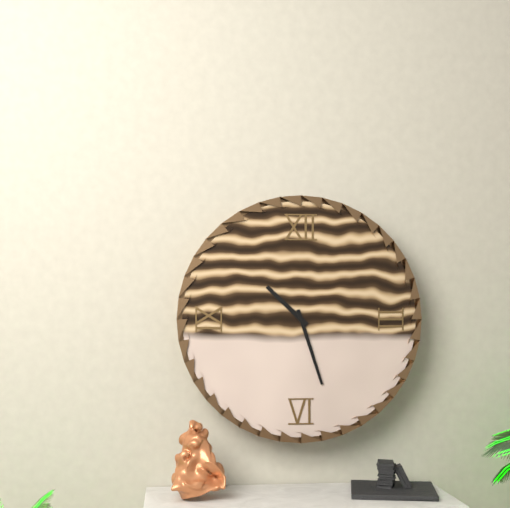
10:27
